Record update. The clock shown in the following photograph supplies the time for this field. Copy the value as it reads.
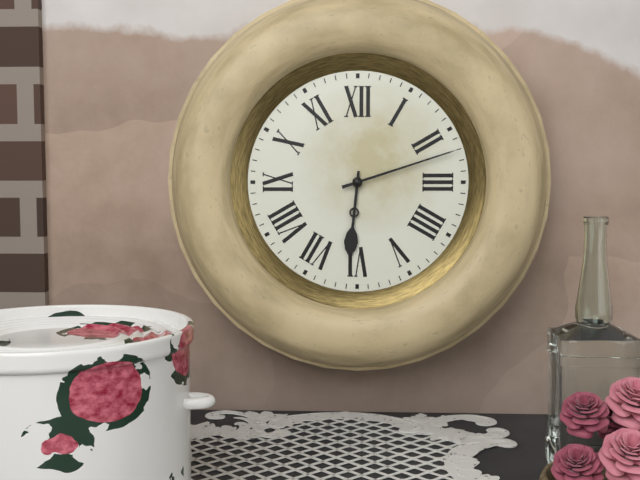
6:12
